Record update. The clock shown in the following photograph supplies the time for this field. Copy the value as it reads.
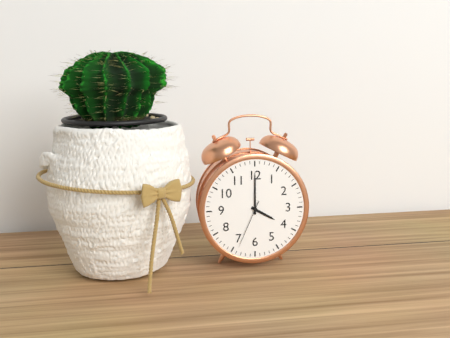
4:00:34
